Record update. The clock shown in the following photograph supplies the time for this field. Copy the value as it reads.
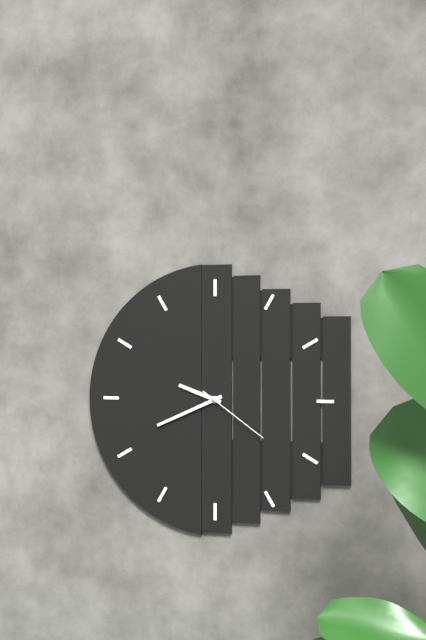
9:41:21
